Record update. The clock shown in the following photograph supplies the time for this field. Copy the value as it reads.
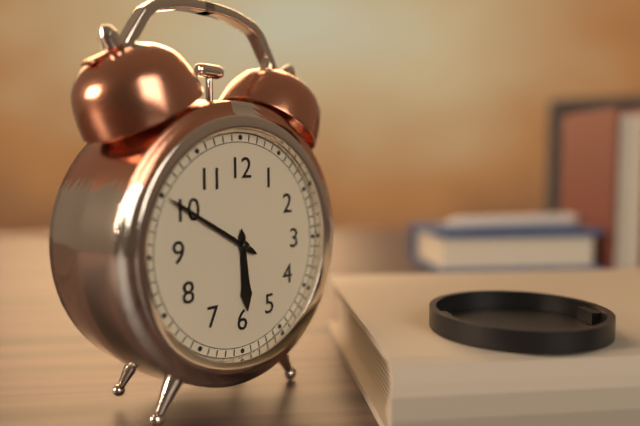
5:50
